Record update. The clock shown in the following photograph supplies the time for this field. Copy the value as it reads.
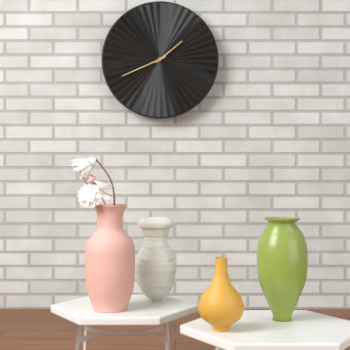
1:41
